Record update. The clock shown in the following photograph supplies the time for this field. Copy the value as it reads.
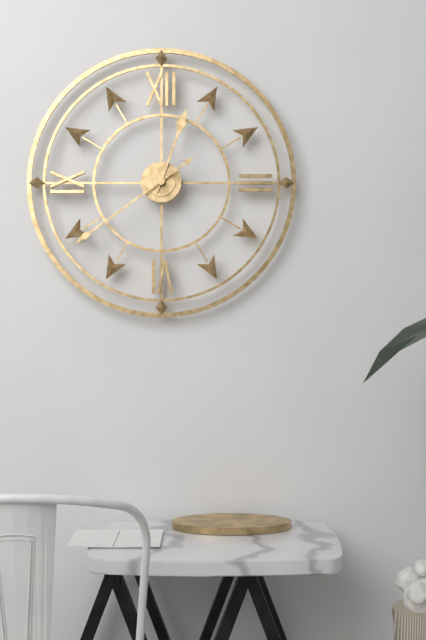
12:39
